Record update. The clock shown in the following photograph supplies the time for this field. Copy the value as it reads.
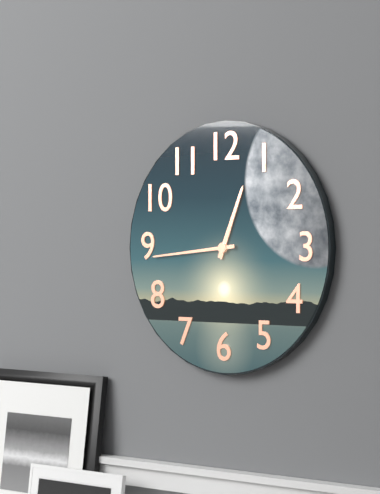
12:44
